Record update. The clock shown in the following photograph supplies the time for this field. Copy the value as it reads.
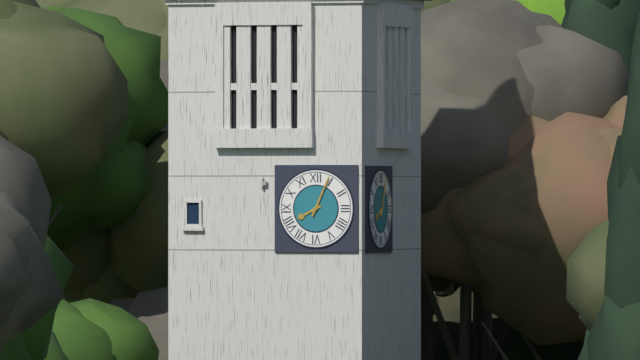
8:04
